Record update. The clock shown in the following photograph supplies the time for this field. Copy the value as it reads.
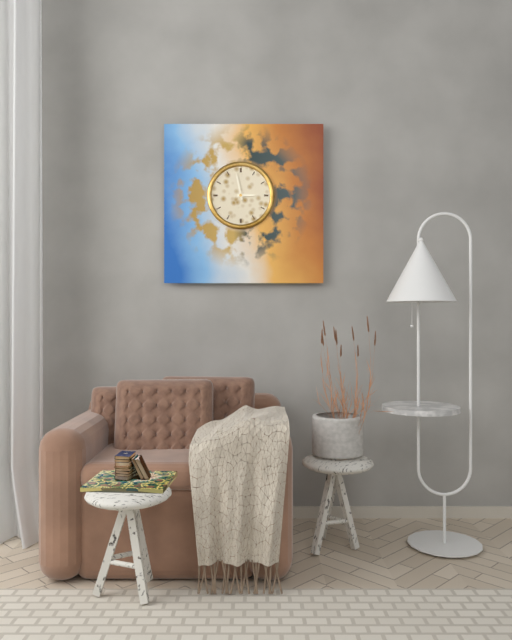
2:58
